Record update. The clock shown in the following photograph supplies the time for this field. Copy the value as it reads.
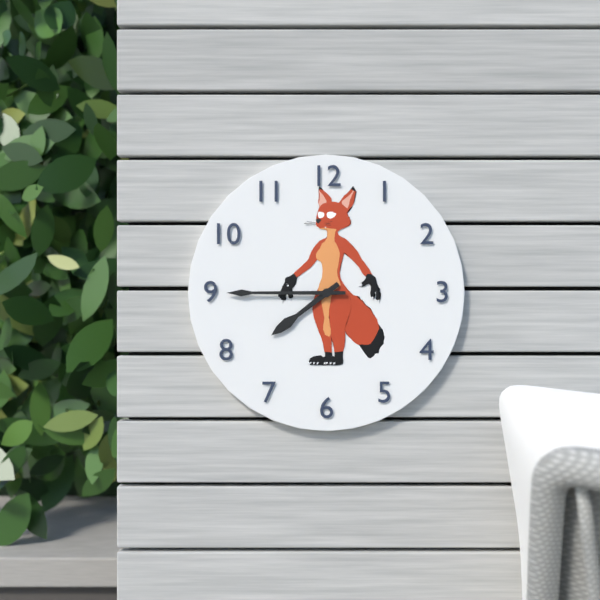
7:45
